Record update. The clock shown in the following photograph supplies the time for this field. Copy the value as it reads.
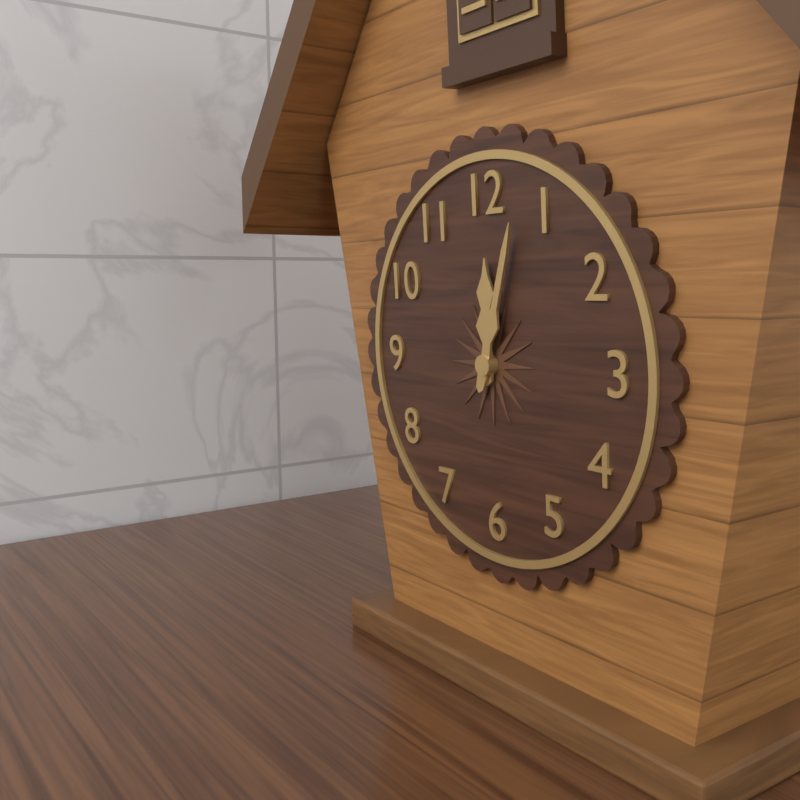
12:03
